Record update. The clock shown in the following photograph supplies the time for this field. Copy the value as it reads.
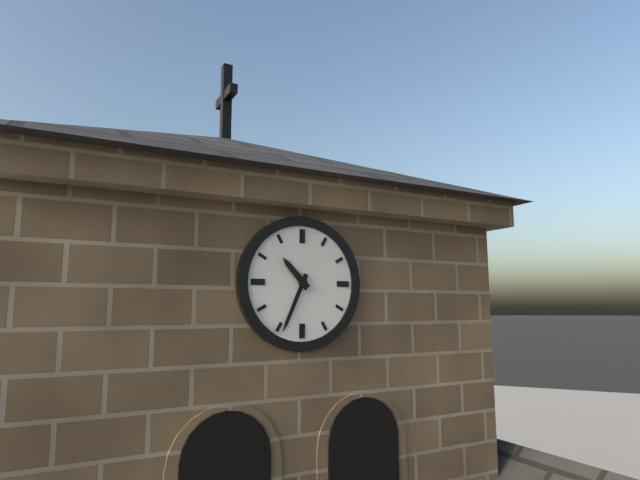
10:34
